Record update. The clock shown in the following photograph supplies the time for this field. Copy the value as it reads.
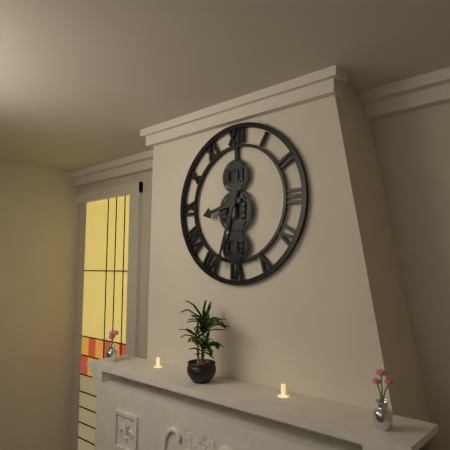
8:33
